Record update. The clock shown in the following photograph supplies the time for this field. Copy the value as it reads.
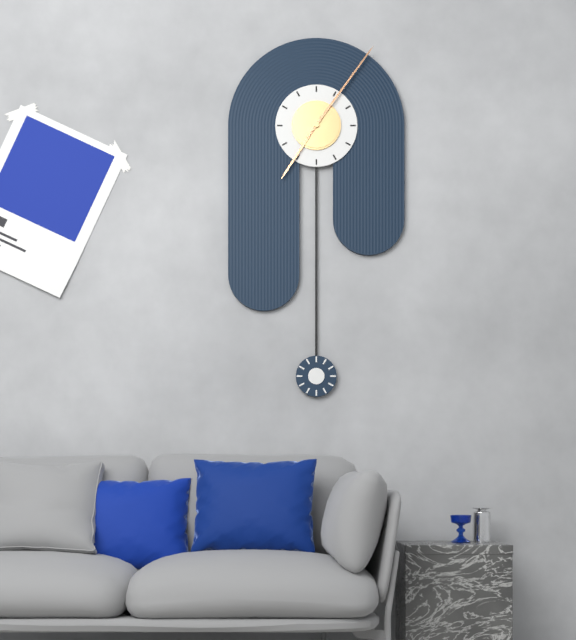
7:06
